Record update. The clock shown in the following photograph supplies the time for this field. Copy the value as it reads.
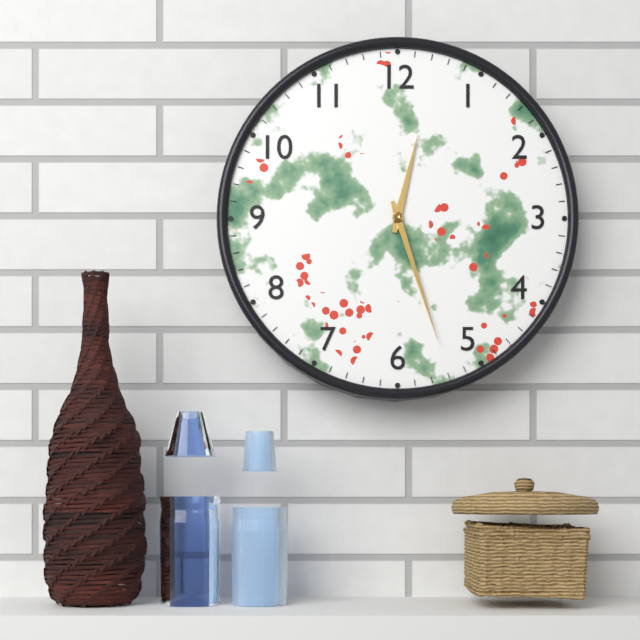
12:27
